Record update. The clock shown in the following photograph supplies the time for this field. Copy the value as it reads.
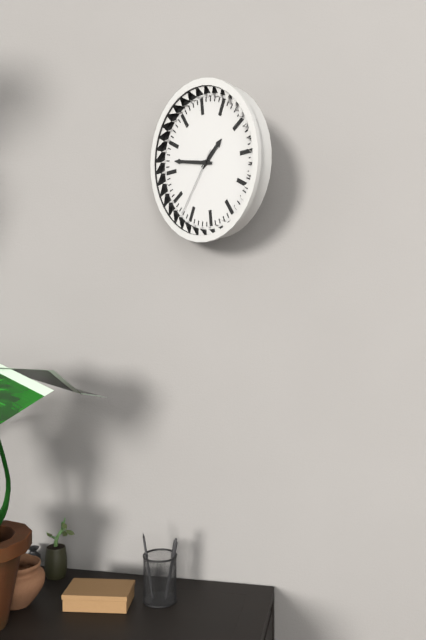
1:47:37
